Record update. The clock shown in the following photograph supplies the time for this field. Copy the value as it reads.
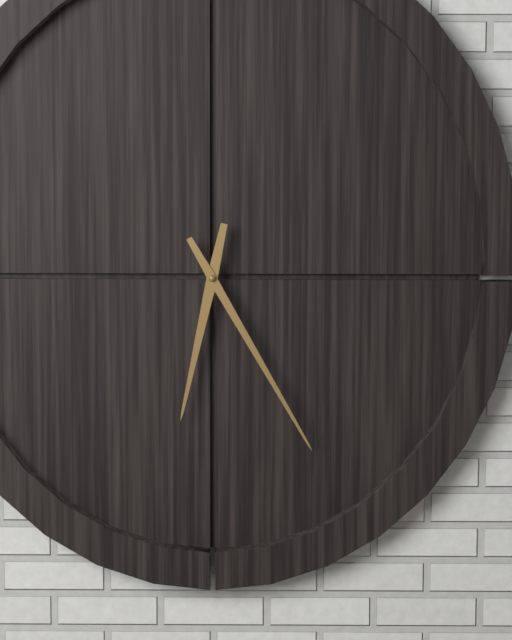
6:25
